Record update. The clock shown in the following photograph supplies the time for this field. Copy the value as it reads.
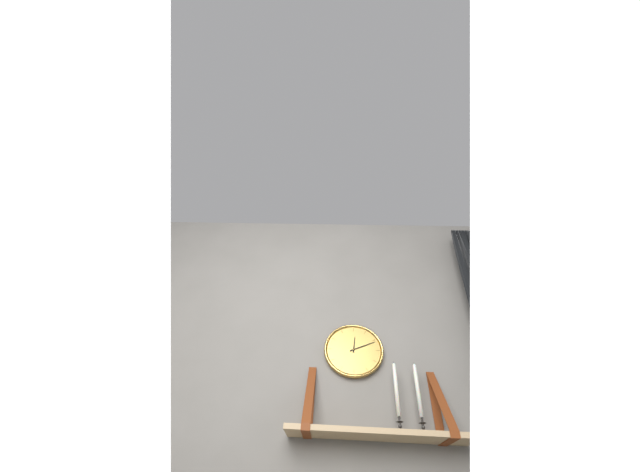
12:11
